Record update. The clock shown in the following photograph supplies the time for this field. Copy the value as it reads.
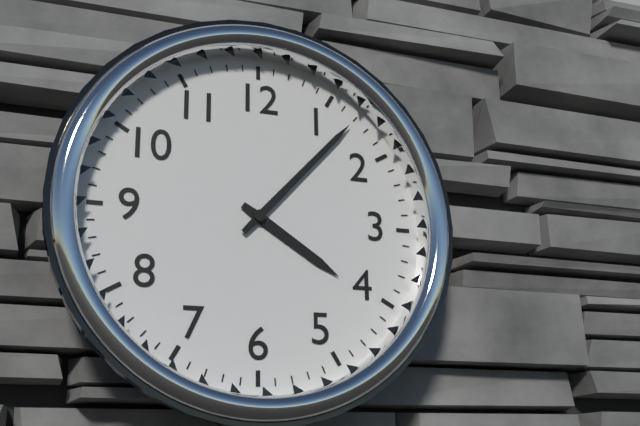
4:07
